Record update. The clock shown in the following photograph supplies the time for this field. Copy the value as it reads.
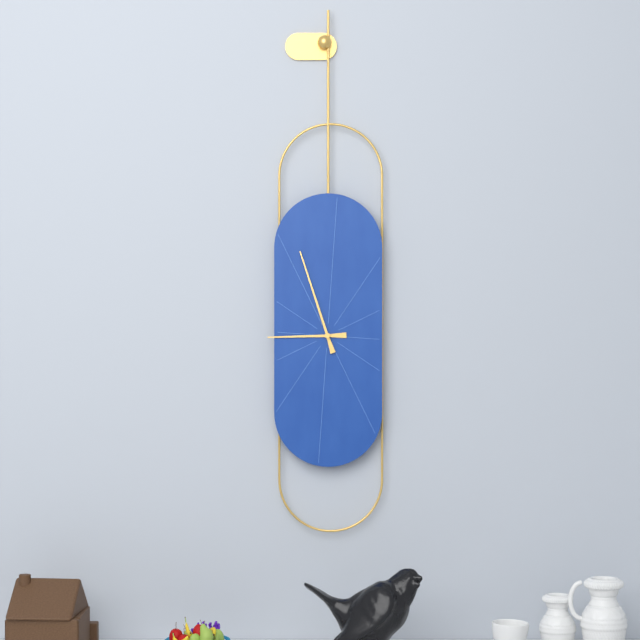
8:57
